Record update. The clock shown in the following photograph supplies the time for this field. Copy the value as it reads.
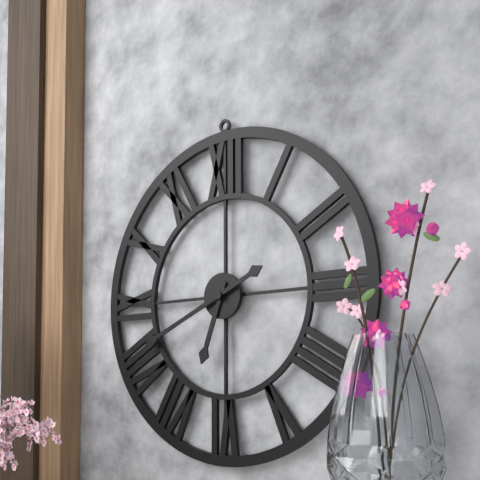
6:41
